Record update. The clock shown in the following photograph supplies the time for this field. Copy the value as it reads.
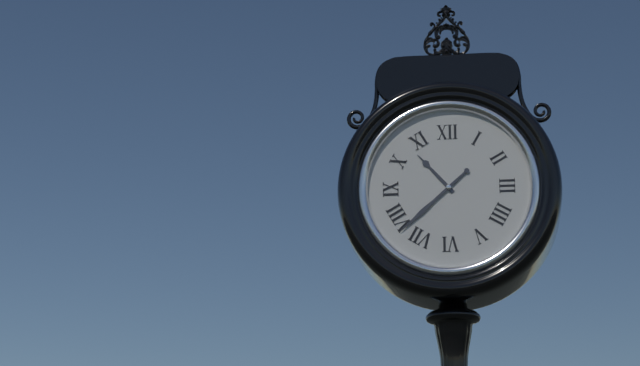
10:38
